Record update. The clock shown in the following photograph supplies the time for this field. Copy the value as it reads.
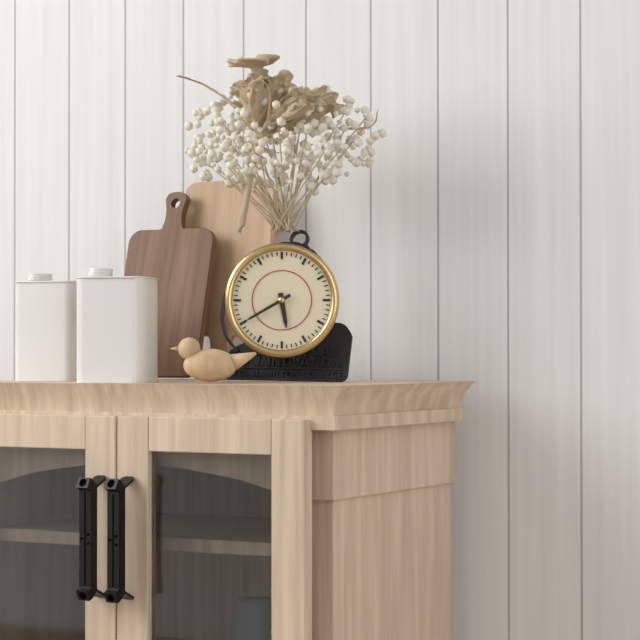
5:40
